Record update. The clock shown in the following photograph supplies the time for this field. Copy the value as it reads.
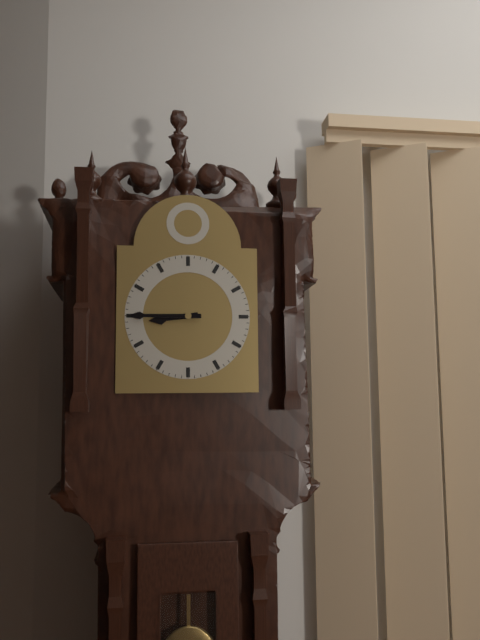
8:45
